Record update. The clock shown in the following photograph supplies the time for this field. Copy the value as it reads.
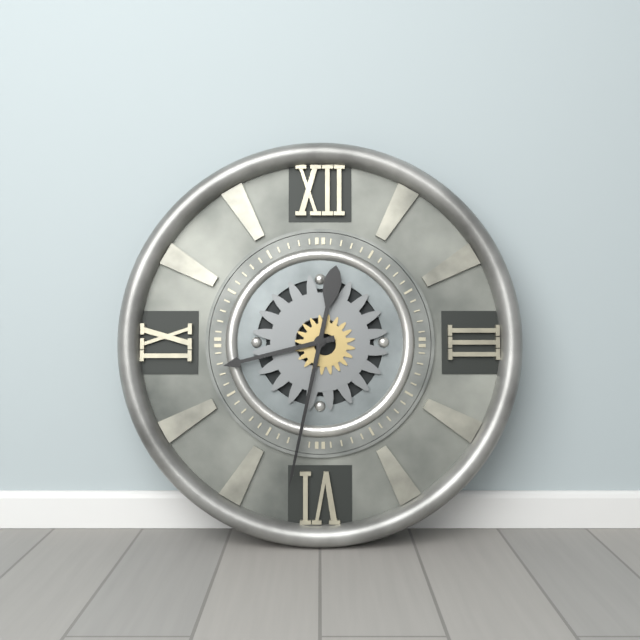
8:32
